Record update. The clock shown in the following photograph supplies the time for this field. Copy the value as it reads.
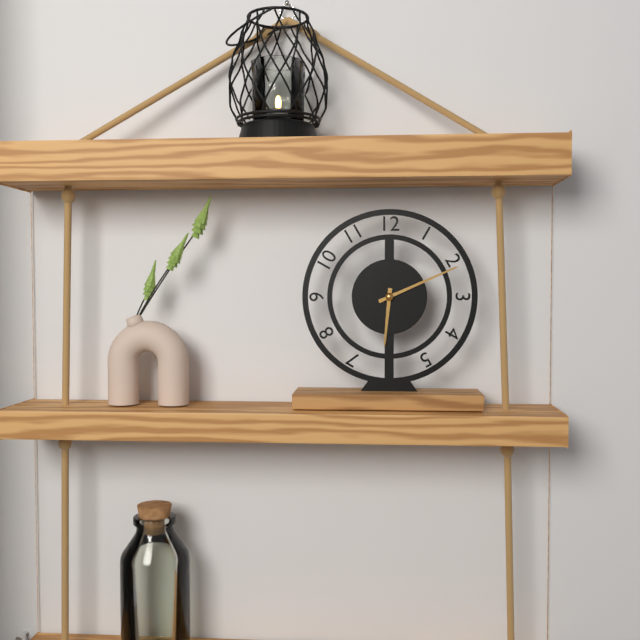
6:11
